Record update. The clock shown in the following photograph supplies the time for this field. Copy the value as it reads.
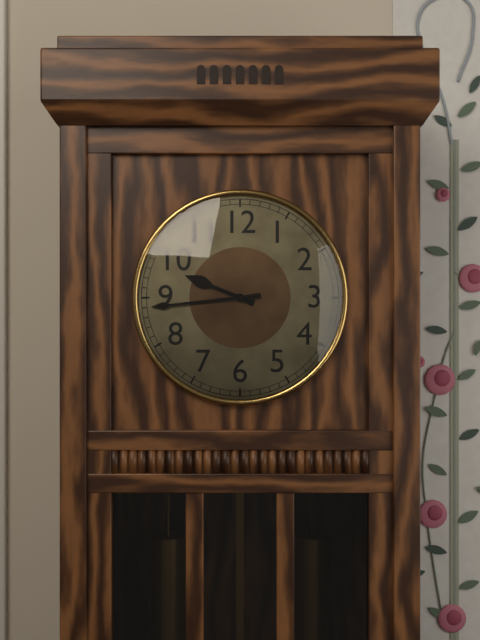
9:44
